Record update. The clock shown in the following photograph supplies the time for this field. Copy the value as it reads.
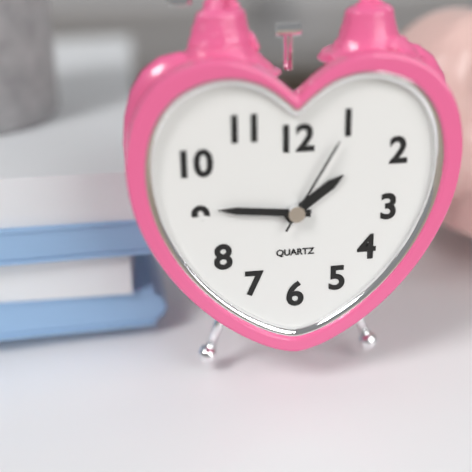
1:46:05
